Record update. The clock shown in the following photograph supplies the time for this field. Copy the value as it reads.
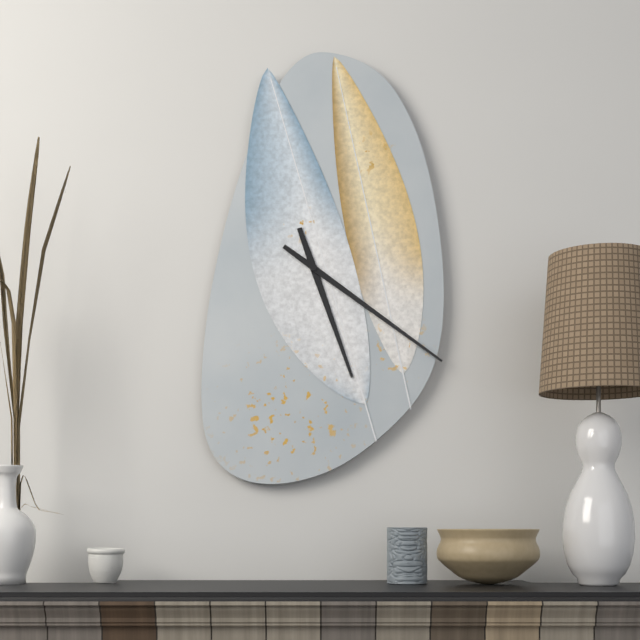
5:21
